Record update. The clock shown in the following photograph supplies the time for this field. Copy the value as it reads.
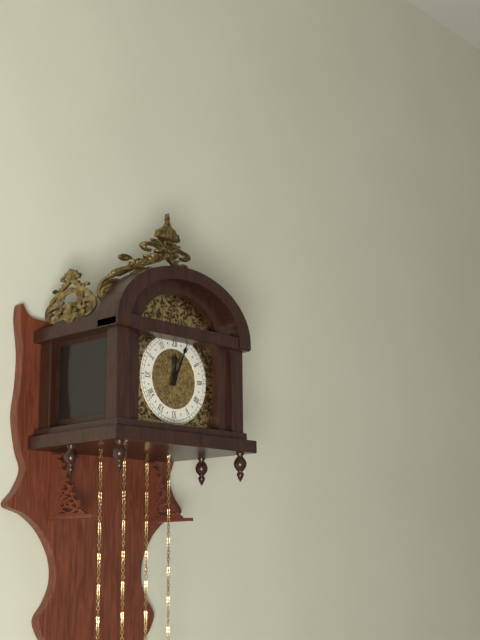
12:04
